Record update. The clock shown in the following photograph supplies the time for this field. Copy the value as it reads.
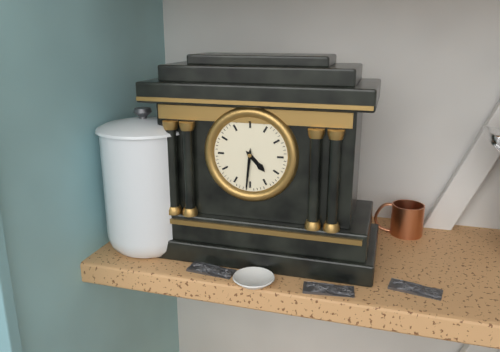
4:31
